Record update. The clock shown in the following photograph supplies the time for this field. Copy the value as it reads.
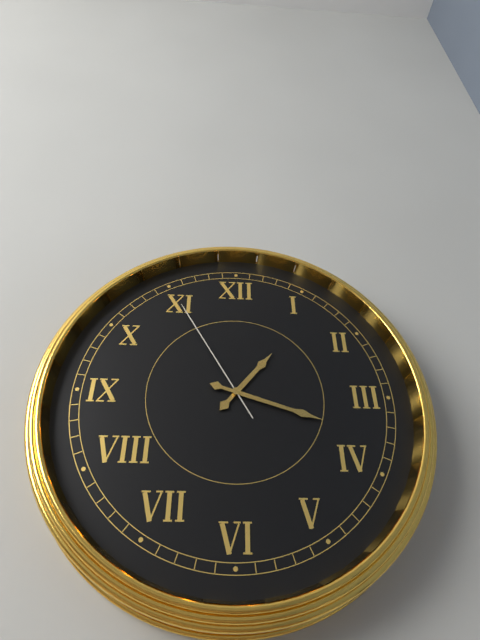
1:18:55
